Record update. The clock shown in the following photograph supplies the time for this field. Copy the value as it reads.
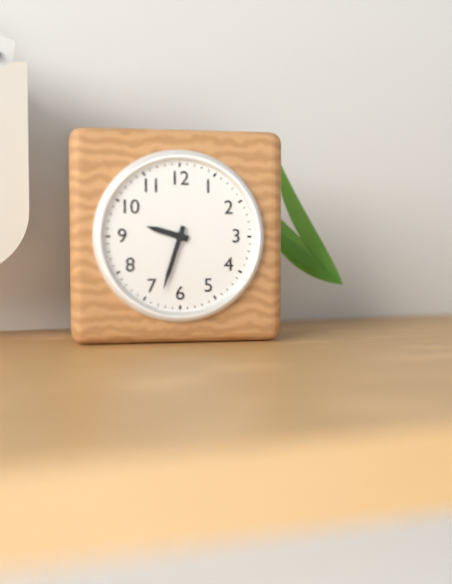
9:33
